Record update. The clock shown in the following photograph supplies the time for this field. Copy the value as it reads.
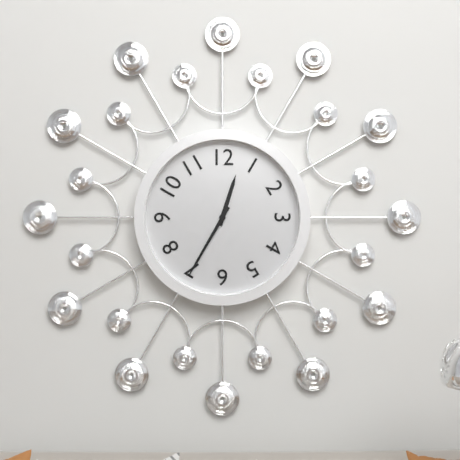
12:35
